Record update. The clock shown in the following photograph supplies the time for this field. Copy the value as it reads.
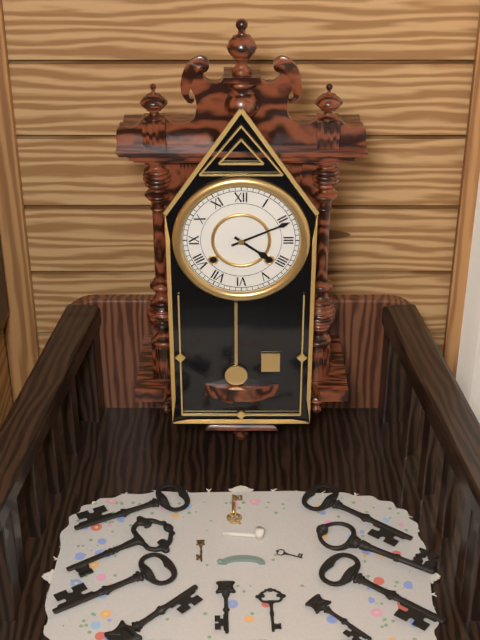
4:11
